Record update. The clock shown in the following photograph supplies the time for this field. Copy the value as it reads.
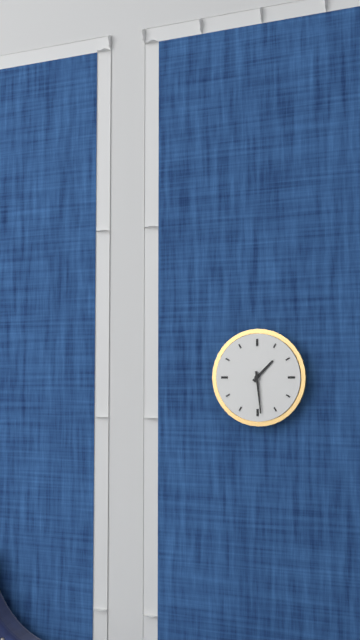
1:29
